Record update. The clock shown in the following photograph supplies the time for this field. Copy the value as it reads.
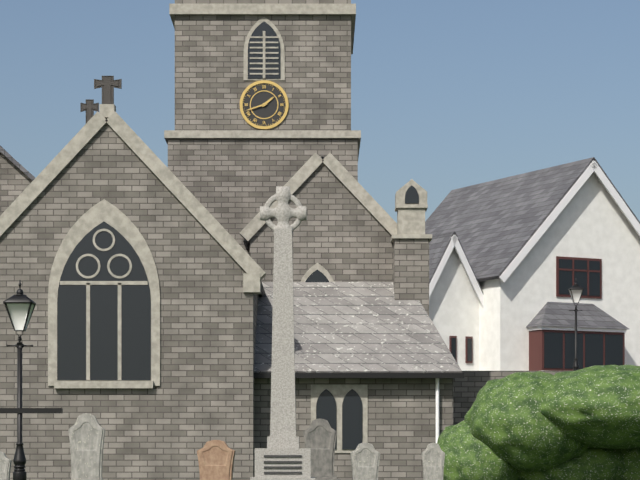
1:42
